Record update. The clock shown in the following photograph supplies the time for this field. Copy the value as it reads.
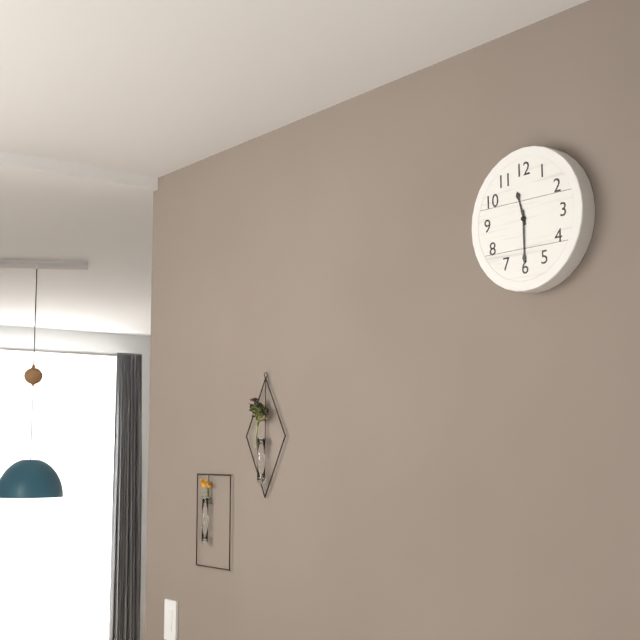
11:30
